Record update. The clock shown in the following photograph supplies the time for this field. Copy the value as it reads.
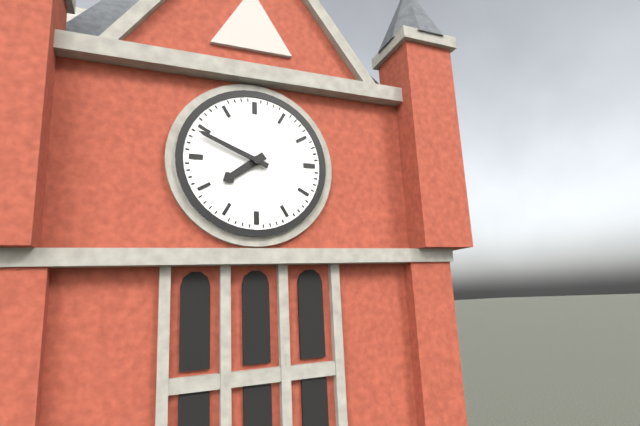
7:49
